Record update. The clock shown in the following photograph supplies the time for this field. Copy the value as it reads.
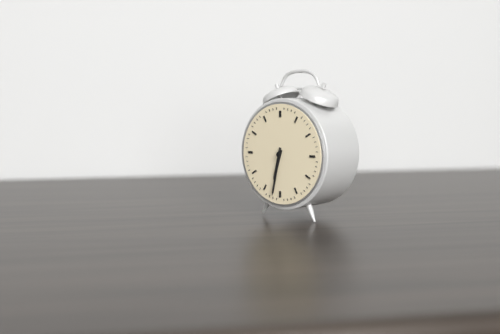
6:32
